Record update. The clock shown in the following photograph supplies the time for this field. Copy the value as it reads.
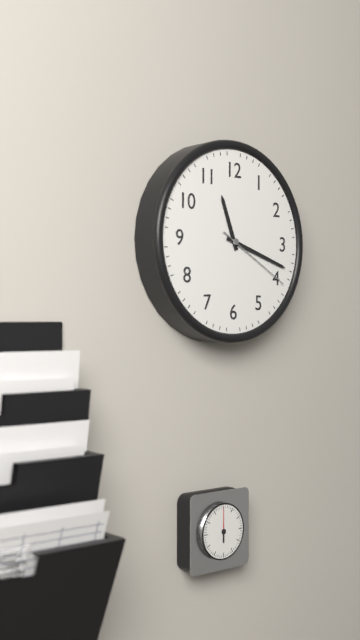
11:18:20
